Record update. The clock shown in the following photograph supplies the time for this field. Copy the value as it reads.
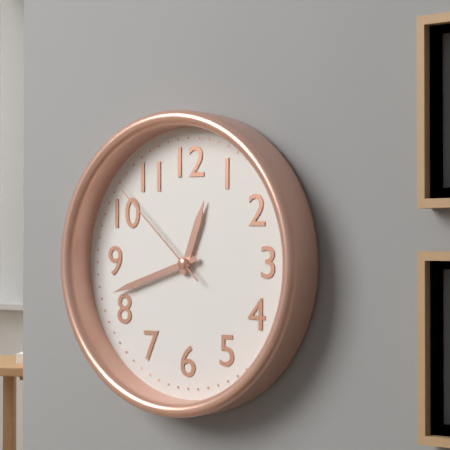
12:42:52
